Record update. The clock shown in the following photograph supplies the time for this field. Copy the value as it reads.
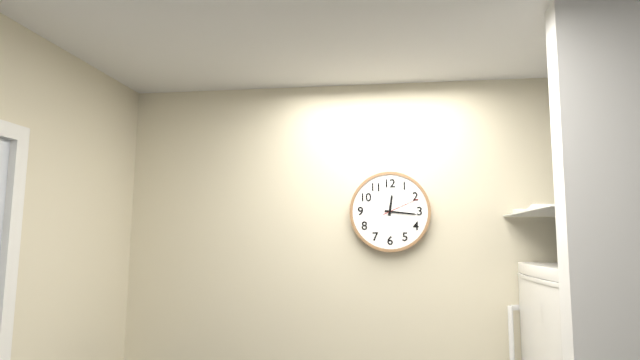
12:16
